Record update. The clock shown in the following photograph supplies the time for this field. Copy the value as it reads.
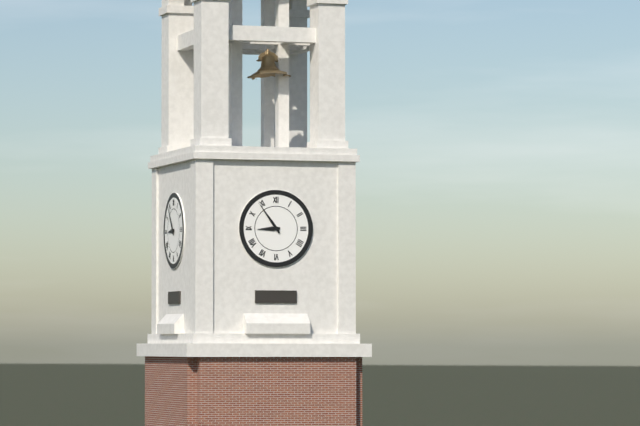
8:54
